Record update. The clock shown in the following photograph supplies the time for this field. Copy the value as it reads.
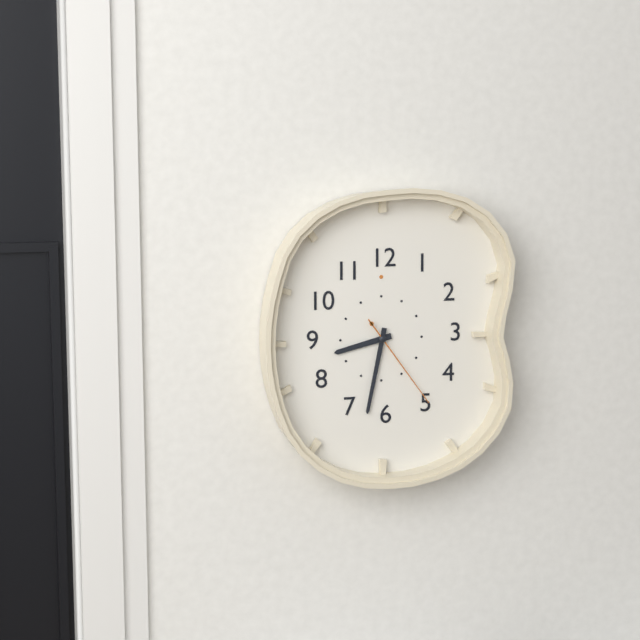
8:32:24
